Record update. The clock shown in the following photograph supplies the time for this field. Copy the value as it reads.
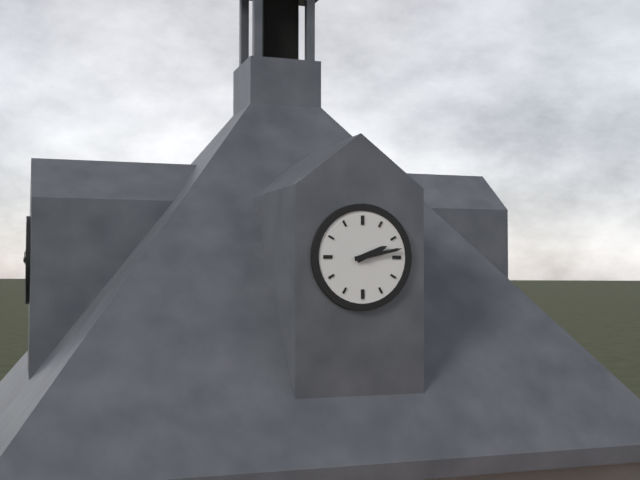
2:13
